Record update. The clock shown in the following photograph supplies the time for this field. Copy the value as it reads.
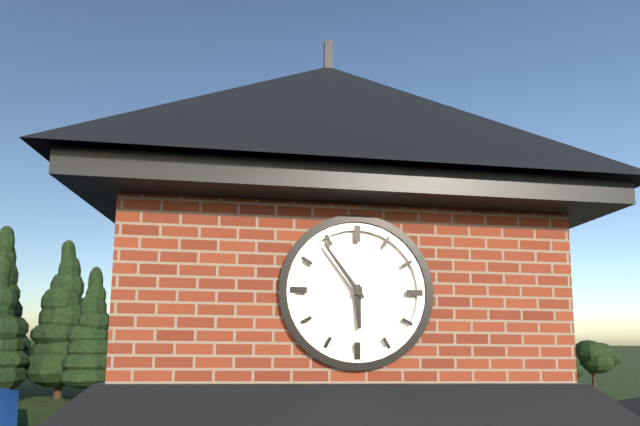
5:54
